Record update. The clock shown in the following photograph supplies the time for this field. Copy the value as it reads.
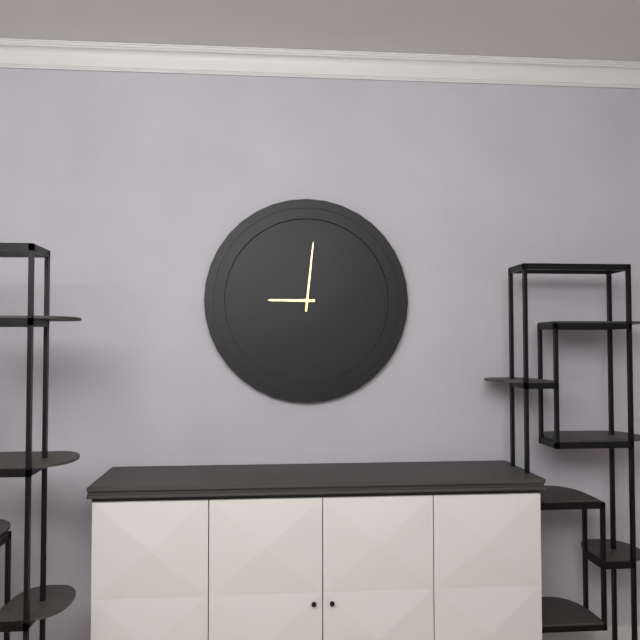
9:01
